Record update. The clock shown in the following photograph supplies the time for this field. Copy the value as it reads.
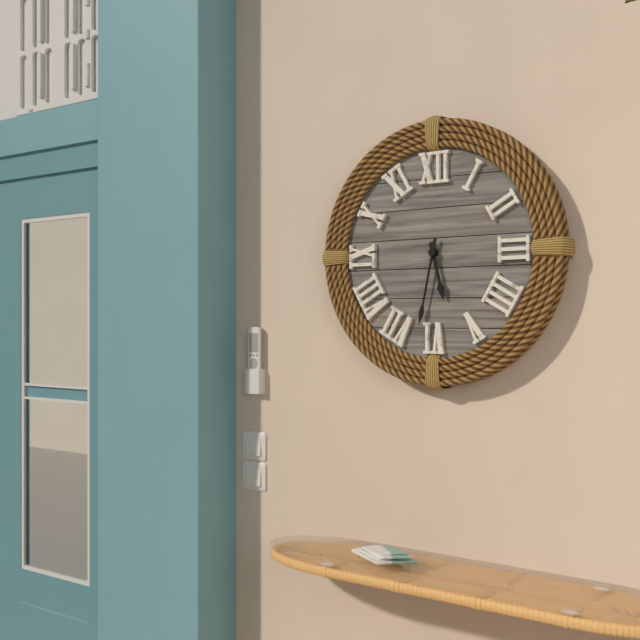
5:32
